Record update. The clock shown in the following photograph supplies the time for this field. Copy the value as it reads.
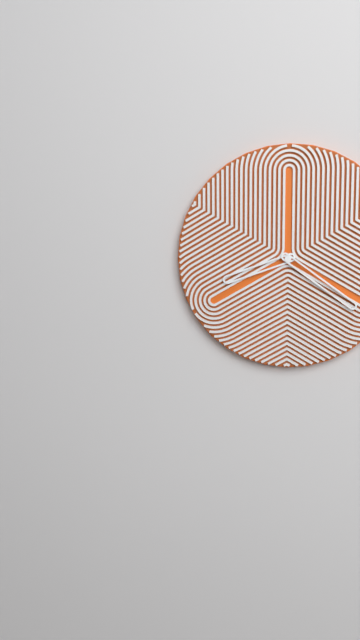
8:21
